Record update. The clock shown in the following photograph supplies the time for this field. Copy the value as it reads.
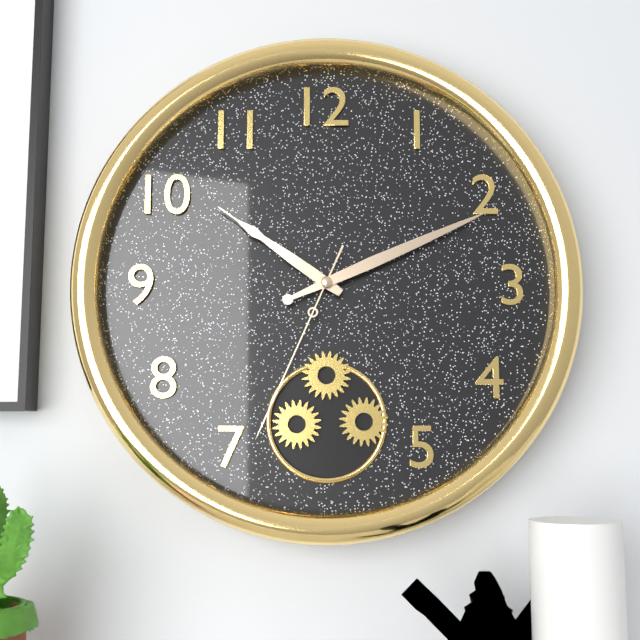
10:11:34
